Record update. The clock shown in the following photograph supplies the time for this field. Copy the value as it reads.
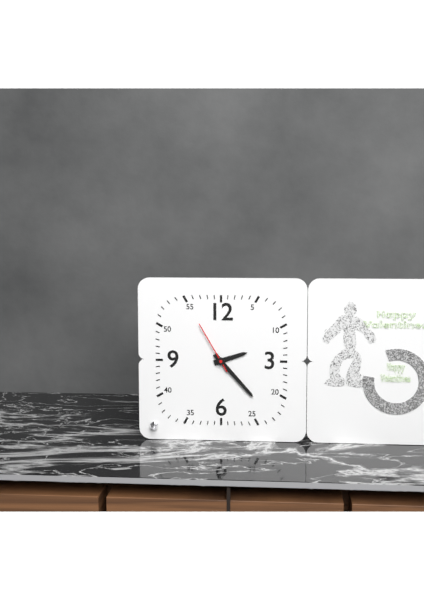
2:23:55
